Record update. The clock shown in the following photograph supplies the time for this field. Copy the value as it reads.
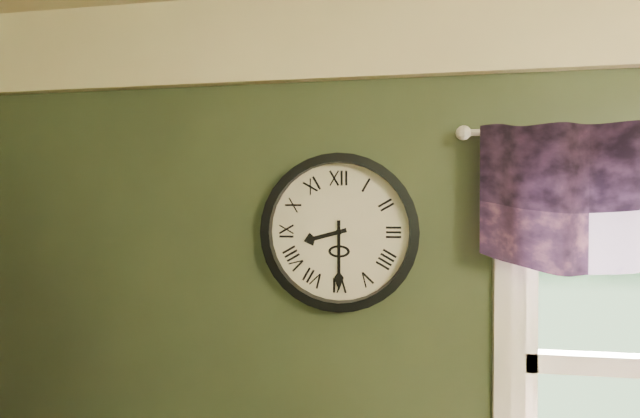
8:30
